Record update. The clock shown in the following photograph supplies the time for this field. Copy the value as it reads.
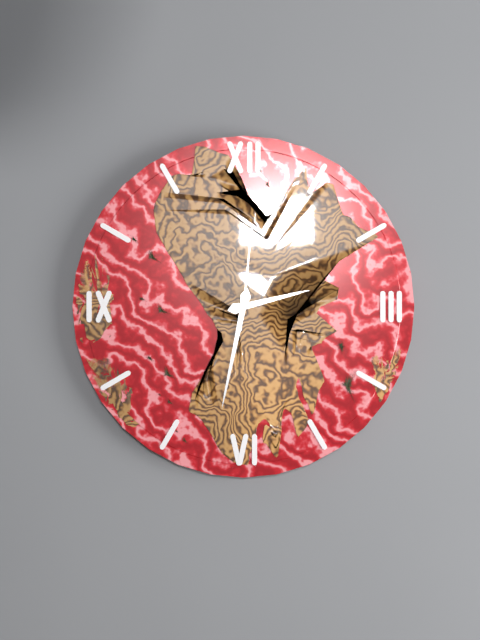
2:32:01
